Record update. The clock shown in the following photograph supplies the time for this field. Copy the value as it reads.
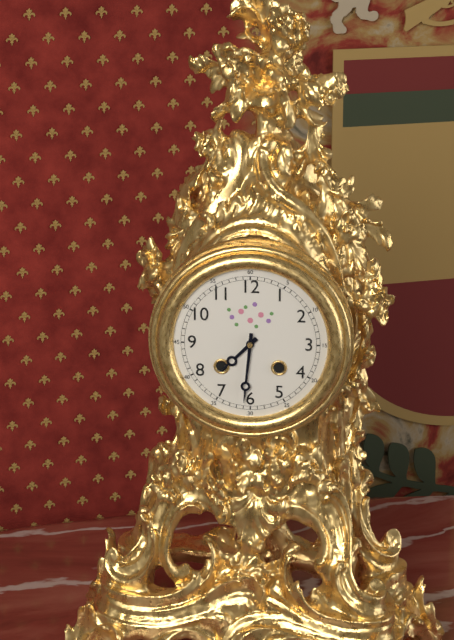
7:31
